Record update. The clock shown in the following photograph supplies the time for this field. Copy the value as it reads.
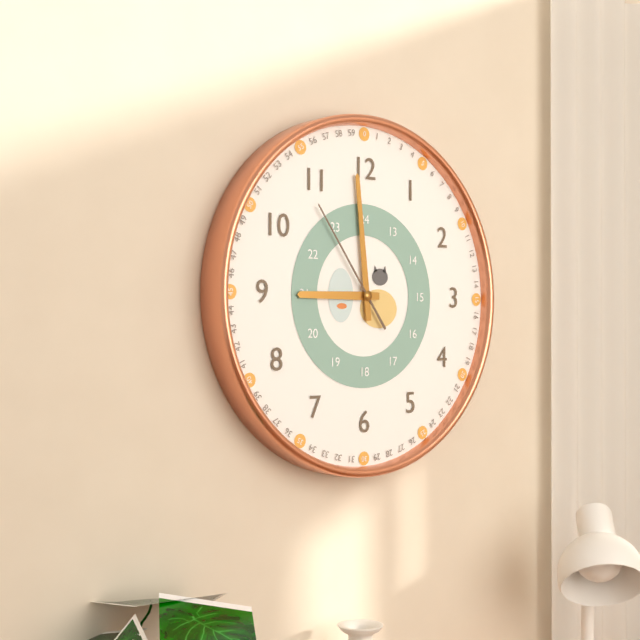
8:59:54
